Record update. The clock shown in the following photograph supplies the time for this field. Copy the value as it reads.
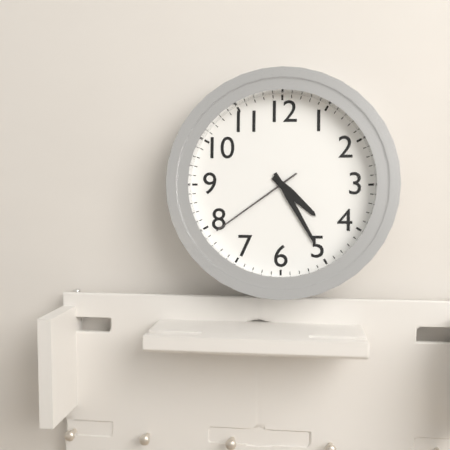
4:25:39
